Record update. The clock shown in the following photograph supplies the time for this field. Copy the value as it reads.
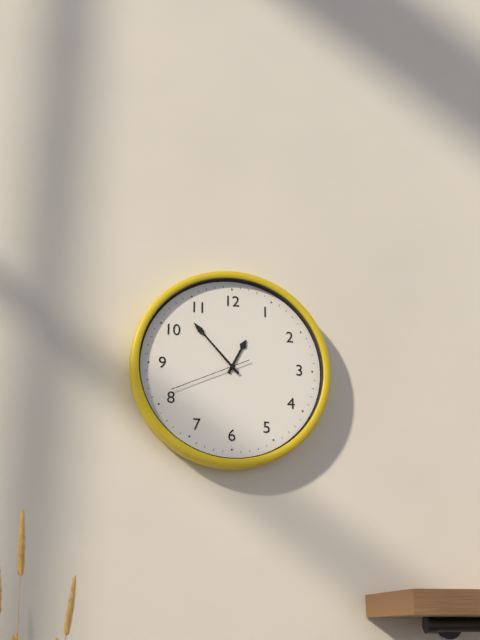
12:53:41
